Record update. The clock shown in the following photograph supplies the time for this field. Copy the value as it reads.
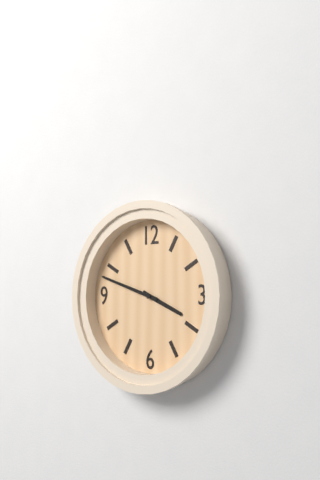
3:48
